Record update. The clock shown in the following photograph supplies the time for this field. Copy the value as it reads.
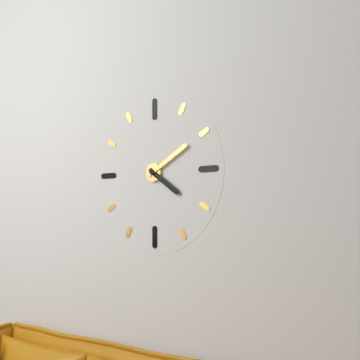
4:10
